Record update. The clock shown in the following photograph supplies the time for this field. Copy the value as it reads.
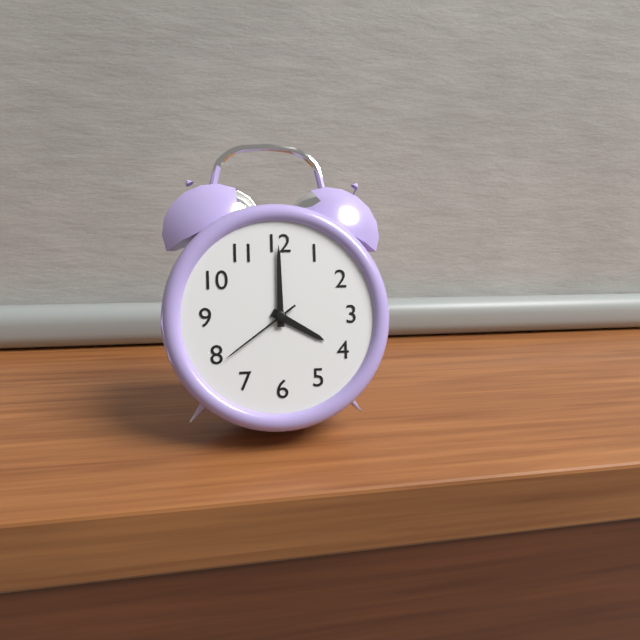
4:00:39
